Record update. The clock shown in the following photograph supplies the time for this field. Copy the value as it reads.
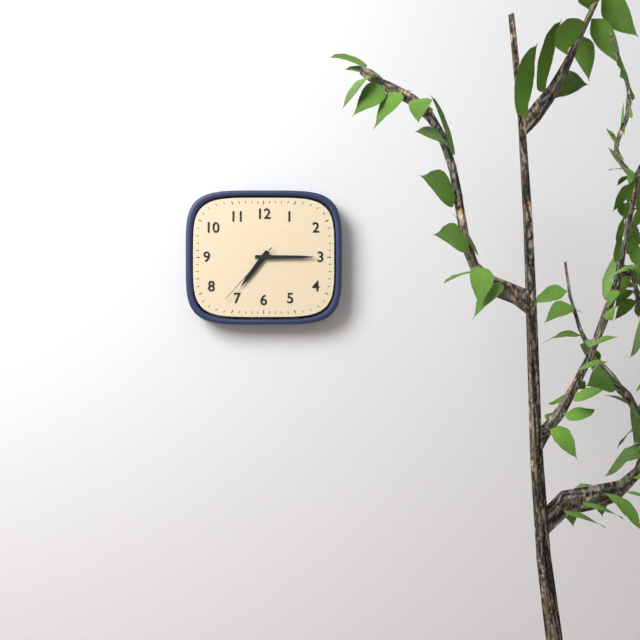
7:15:37
